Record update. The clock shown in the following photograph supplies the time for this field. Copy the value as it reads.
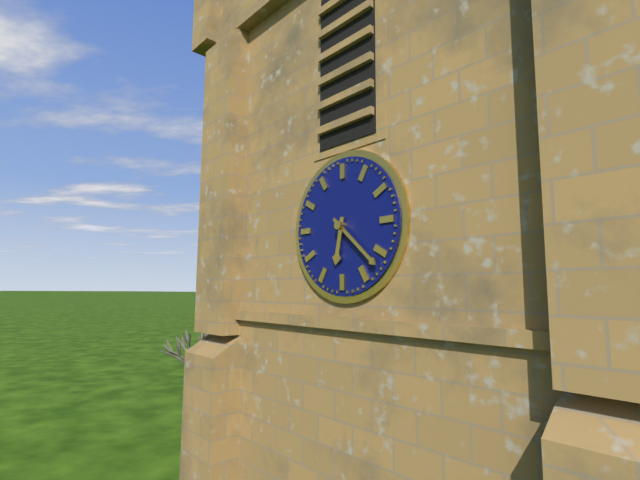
6:22
